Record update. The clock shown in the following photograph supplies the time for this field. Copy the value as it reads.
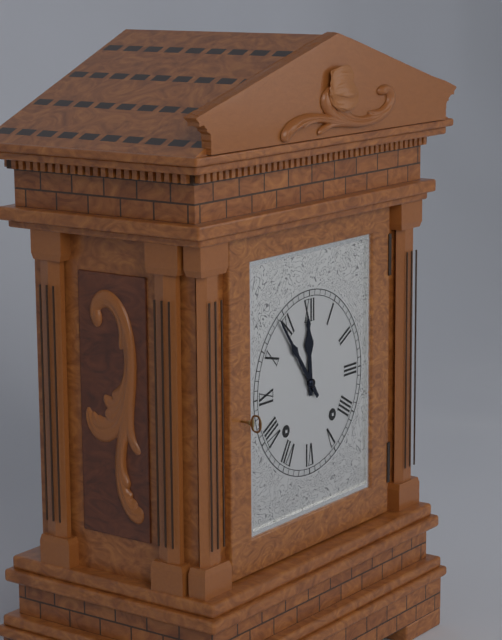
11:54
